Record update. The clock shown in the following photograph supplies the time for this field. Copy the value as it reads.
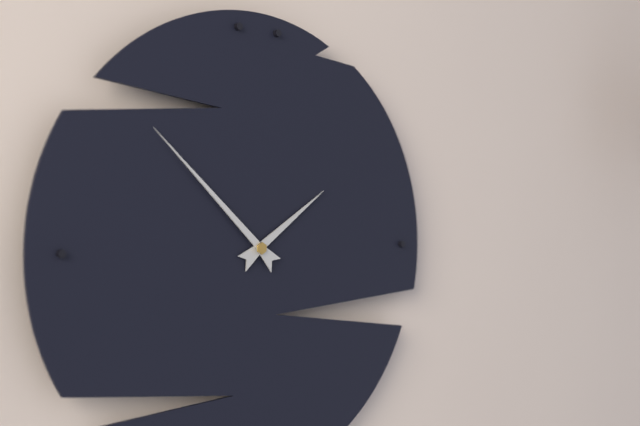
1:52
